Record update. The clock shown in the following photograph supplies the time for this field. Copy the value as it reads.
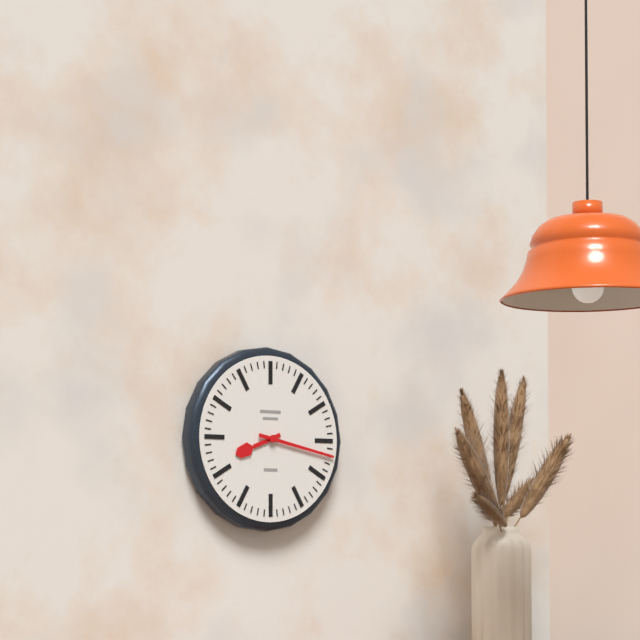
8:17
